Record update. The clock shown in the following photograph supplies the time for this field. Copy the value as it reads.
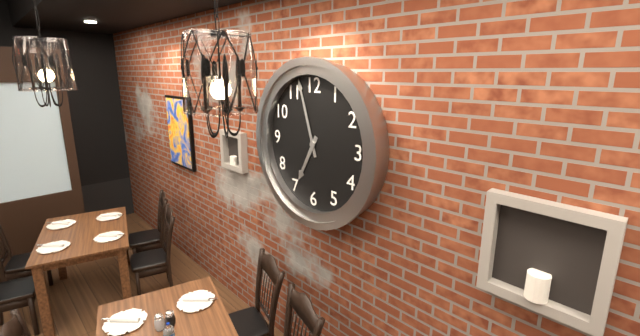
6:57
